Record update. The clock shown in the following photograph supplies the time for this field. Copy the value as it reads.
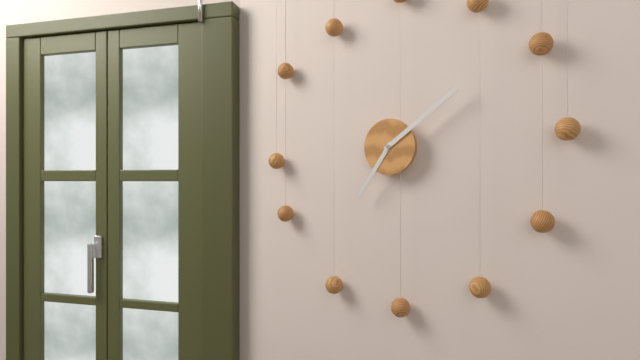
7:09
